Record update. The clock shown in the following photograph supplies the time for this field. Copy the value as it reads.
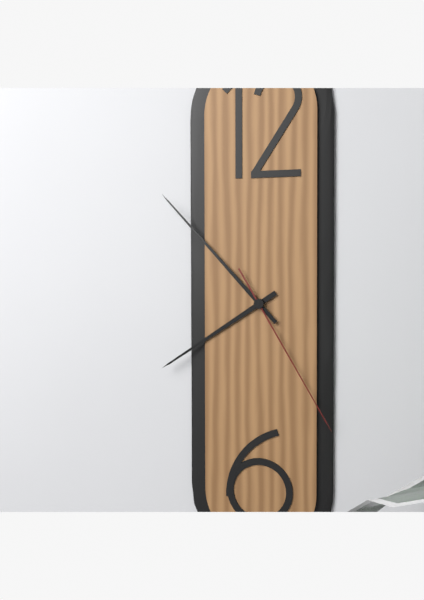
7:53:25
